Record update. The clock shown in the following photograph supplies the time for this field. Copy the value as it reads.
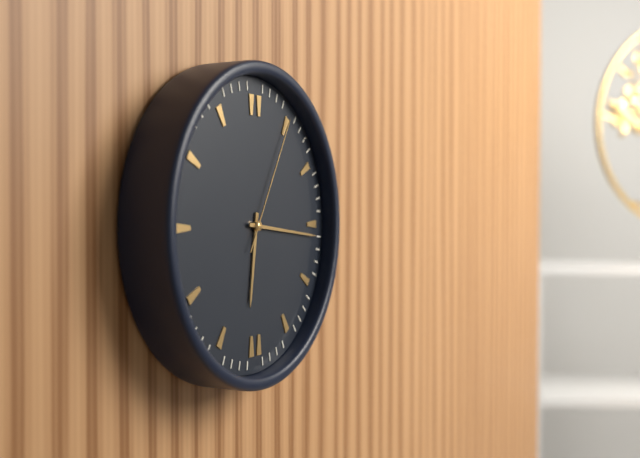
6:16:05
